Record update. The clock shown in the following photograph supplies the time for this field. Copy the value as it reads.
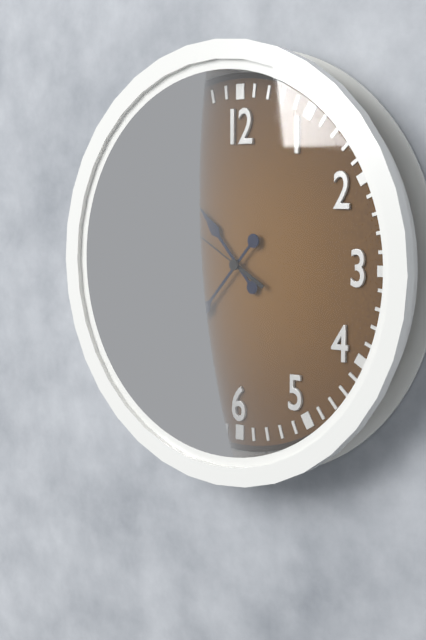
10:37:50
